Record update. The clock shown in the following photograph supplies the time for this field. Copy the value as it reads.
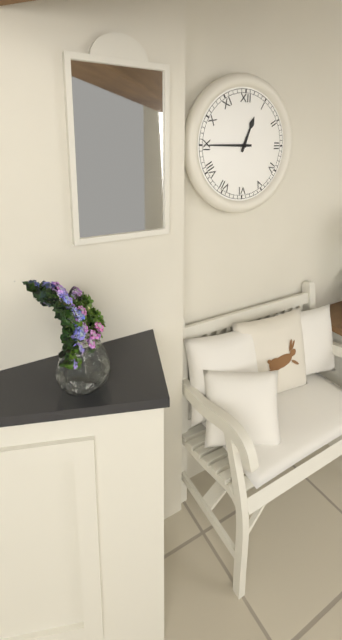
12:45
